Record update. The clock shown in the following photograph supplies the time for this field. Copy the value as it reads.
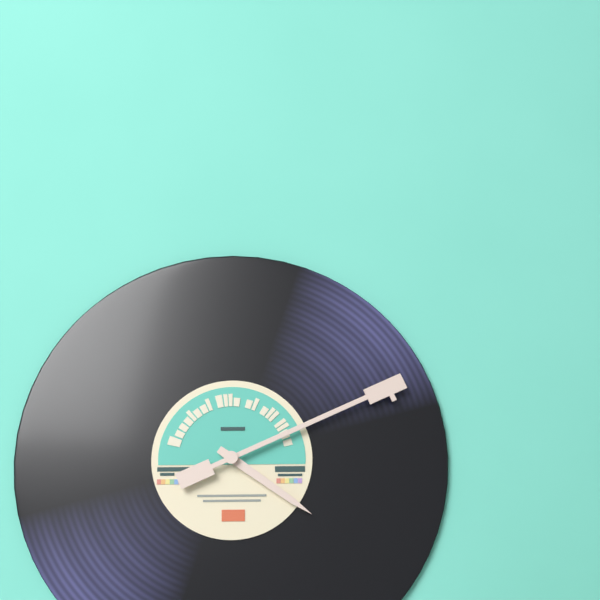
4:11
